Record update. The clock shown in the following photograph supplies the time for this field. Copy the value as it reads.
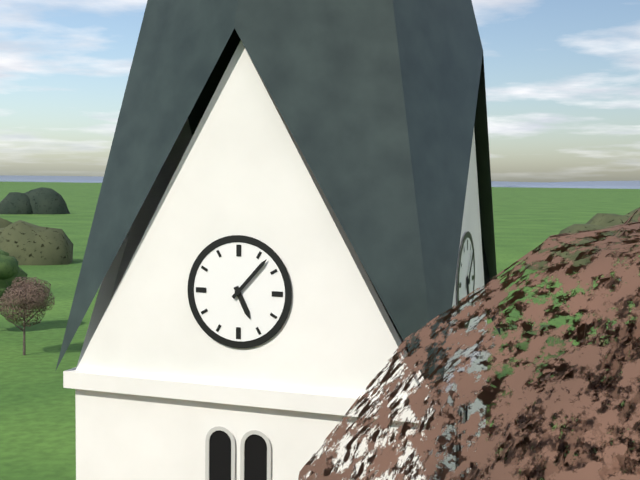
5:07
